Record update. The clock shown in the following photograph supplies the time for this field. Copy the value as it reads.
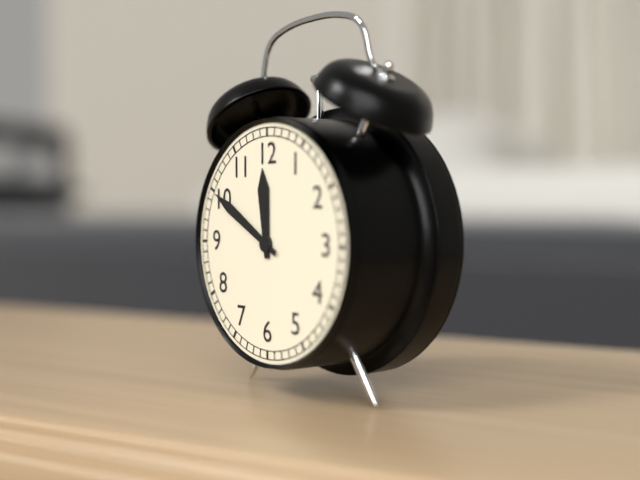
11:50
